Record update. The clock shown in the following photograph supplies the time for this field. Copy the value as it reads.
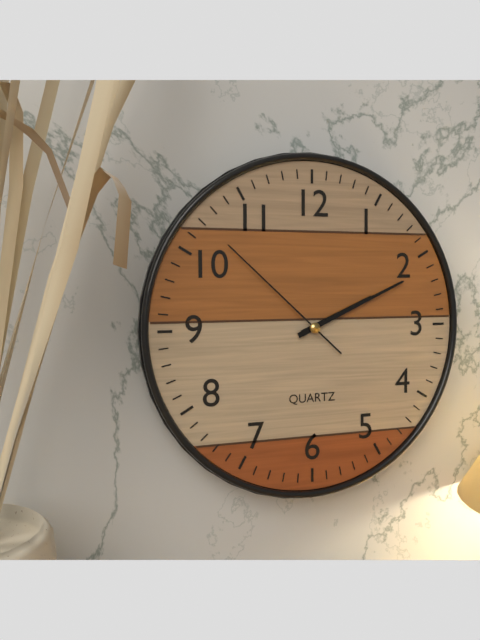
2:11:52
